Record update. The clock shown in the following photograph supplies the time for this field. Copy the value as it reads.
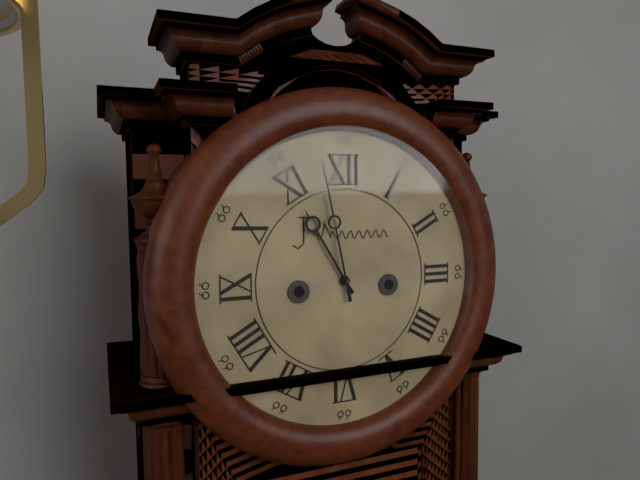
10:58
